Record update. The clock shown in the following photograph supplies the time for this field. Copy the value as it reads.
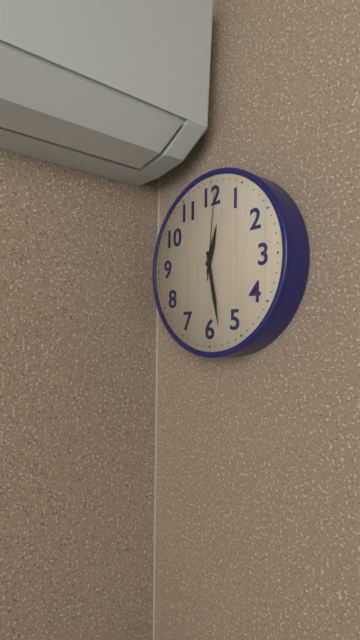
12:28:01
